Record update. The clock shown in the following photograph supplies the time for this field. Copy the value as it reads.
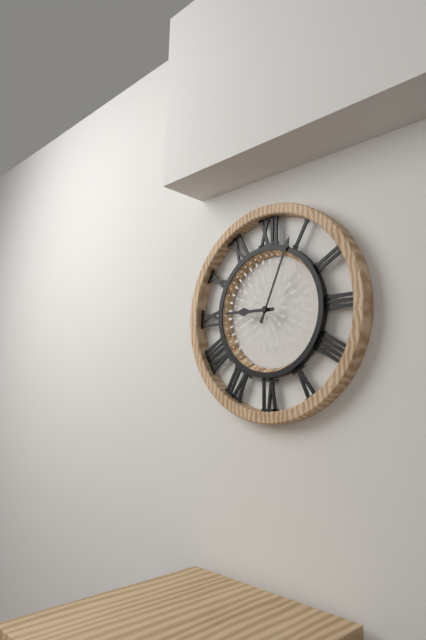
9:04
